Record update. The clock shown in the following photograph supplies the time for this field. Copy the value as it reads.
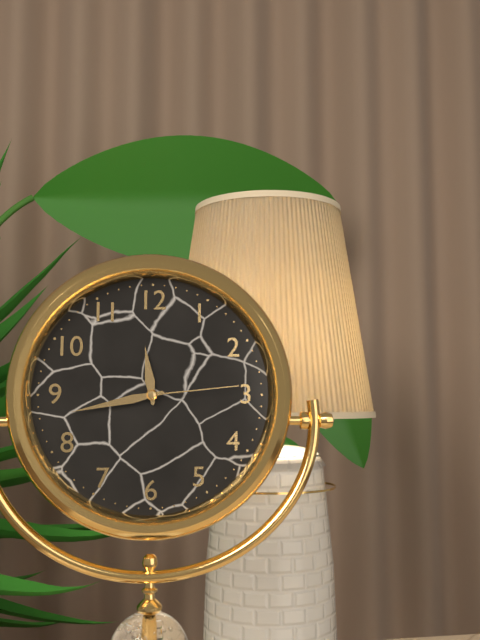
11:43:14
